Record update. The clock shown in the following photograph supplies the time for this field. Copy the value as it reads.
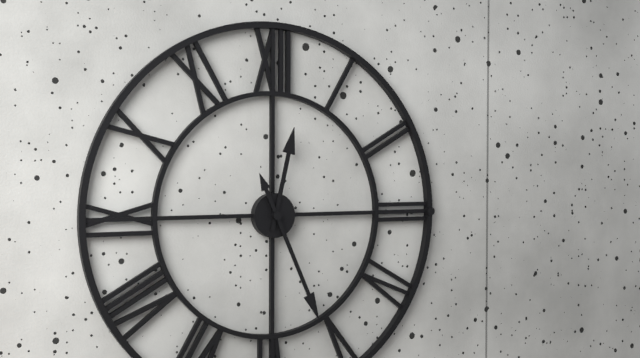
12:26
